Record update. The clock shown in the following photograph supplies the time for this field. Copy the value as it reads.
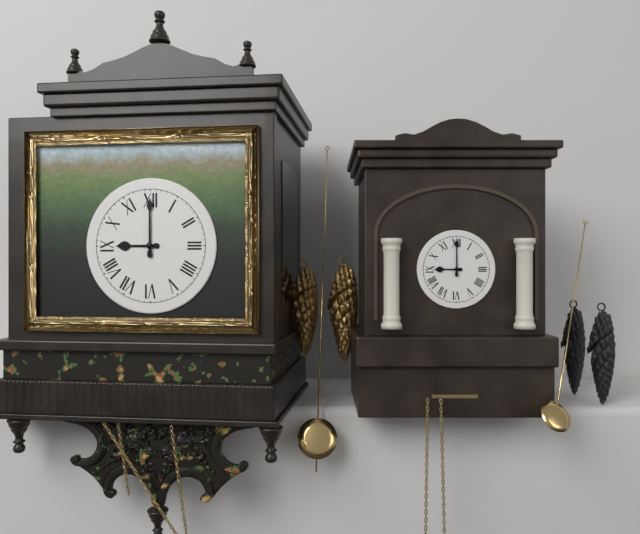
9:00
